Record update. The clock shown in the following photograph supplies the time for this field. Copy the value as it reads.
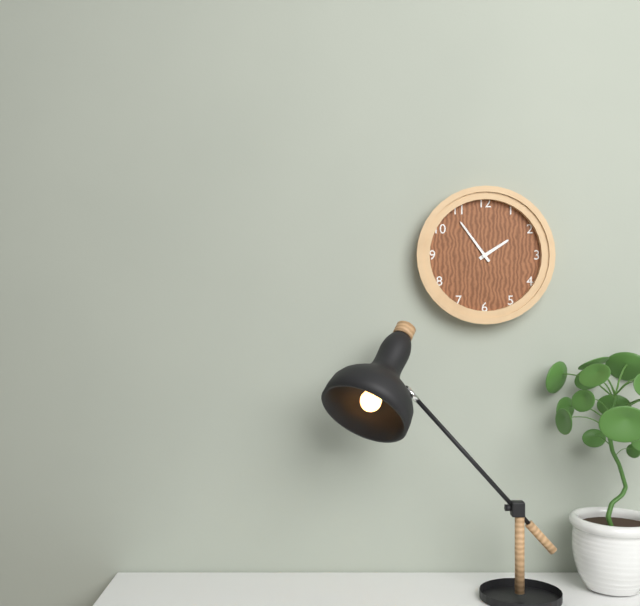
1:54
